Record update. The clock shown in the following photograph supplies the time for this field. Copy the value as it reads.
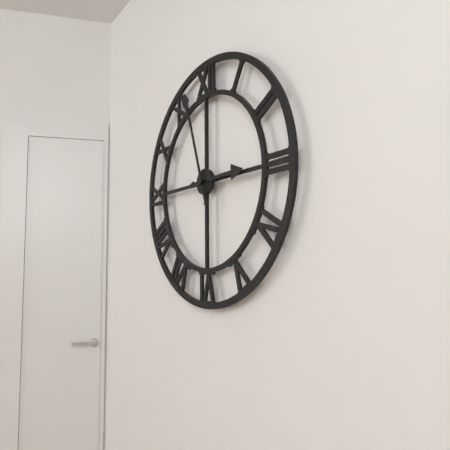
2:57
